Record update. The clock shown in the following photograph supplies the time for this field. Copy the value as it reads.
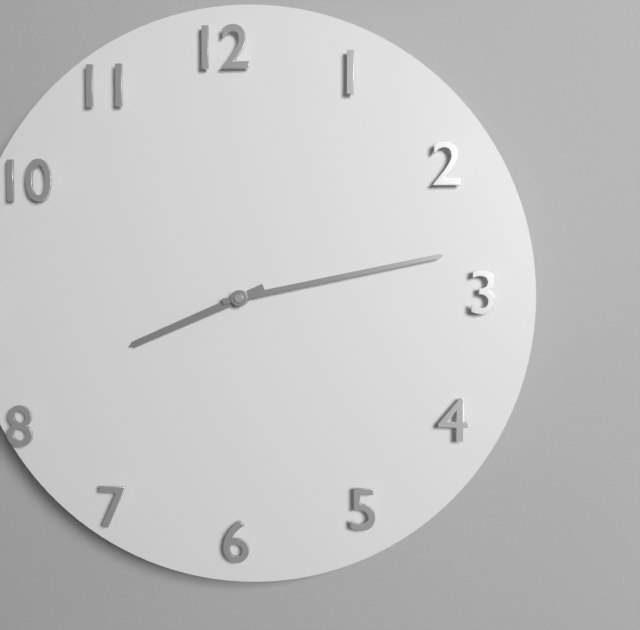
8:13
